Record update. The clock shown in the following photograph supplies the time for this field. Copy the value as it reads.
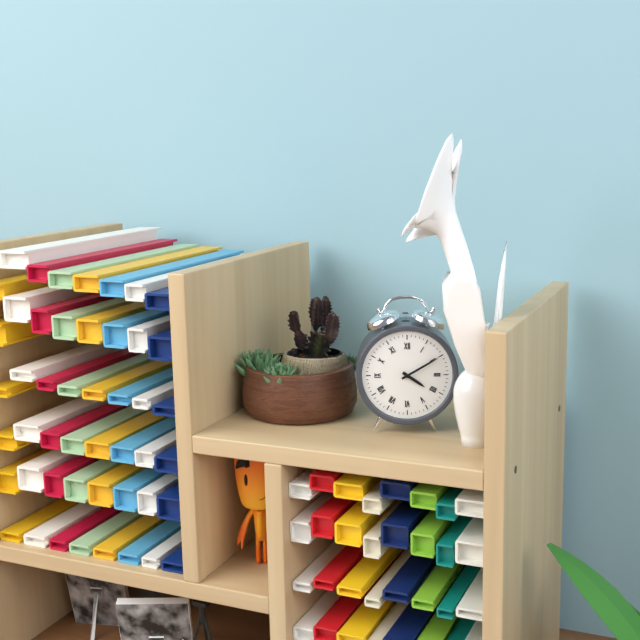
4:10
